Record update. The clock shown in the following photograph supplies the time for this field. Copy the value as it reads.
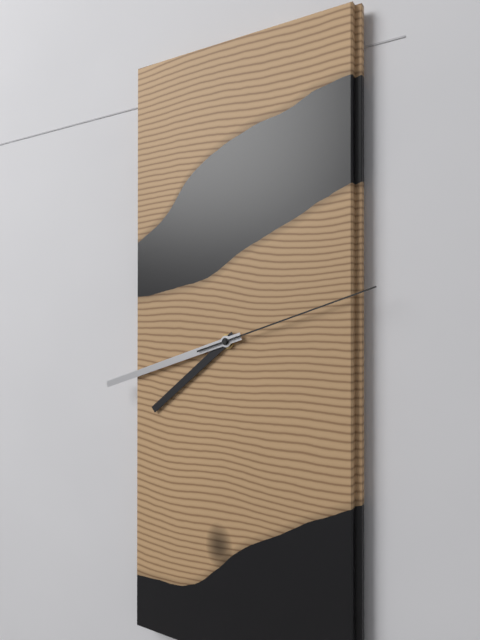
7:42:12
